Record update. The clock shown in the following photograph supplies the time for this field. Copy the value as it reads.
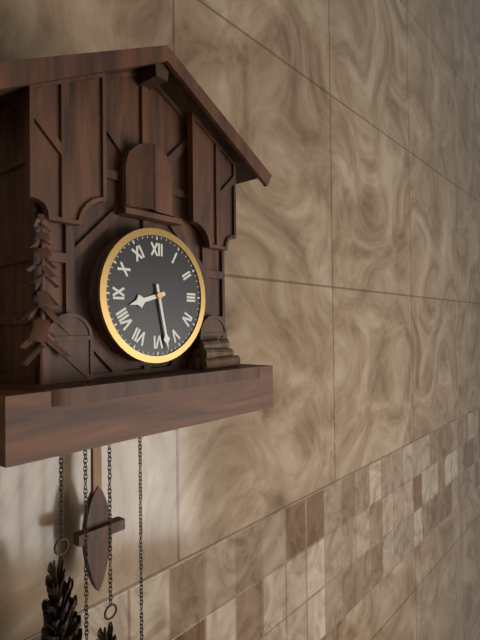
8:28
